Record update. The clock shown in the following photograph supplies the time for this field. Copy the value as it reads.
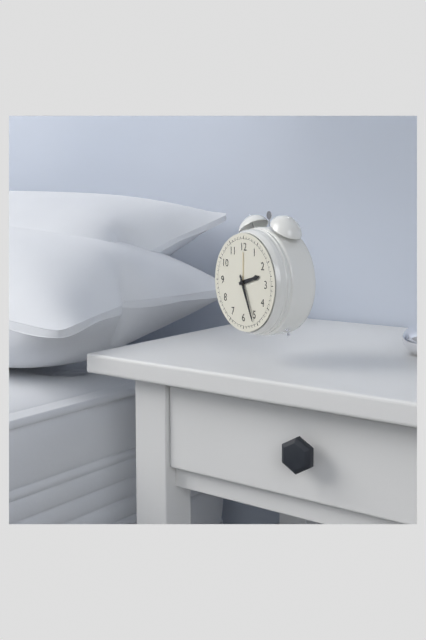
2:26
